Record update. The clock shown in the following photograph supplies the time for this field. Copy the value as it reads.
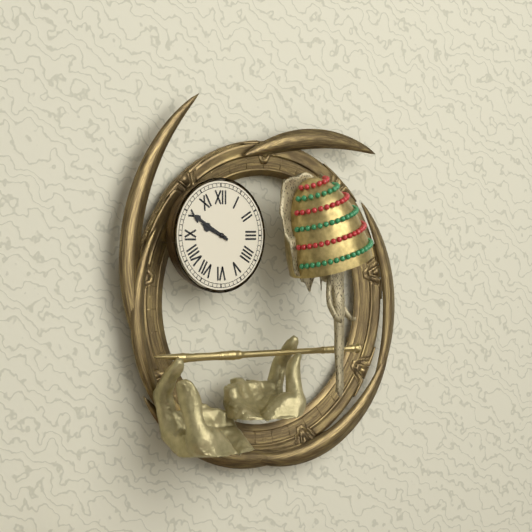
9:50
